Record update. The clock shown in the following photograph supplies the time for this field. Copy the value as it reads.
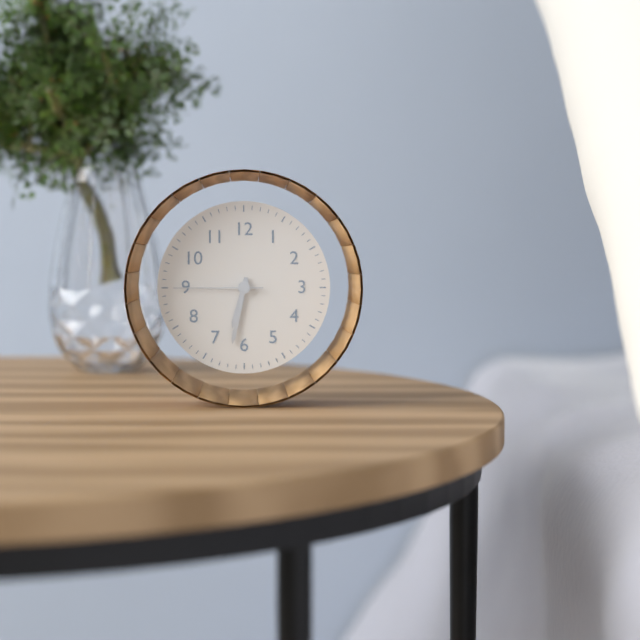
6:32:45
